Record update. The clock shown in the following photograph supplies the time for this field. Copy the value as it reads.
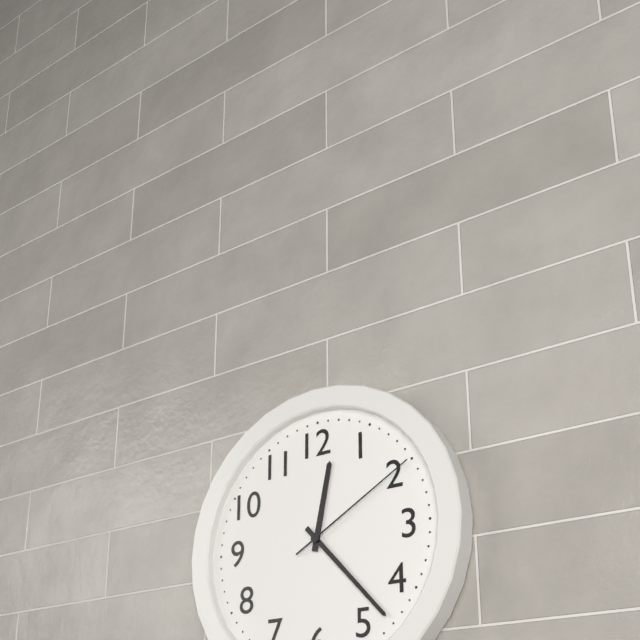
12:23:10
